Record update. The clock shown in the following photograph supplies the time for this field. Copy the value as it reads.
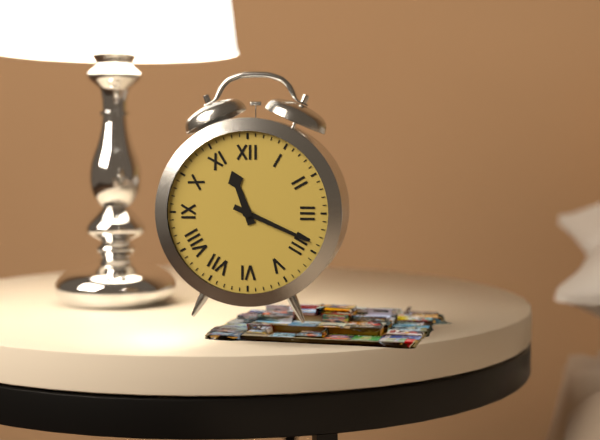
11:19
